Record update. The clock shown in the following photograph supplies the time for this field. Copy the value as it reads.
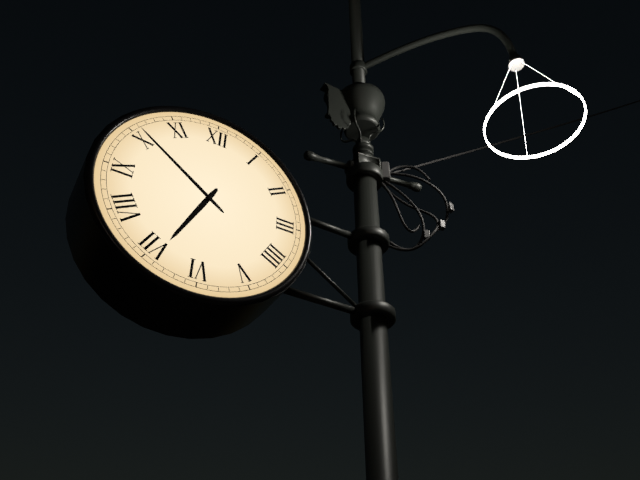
6:51
